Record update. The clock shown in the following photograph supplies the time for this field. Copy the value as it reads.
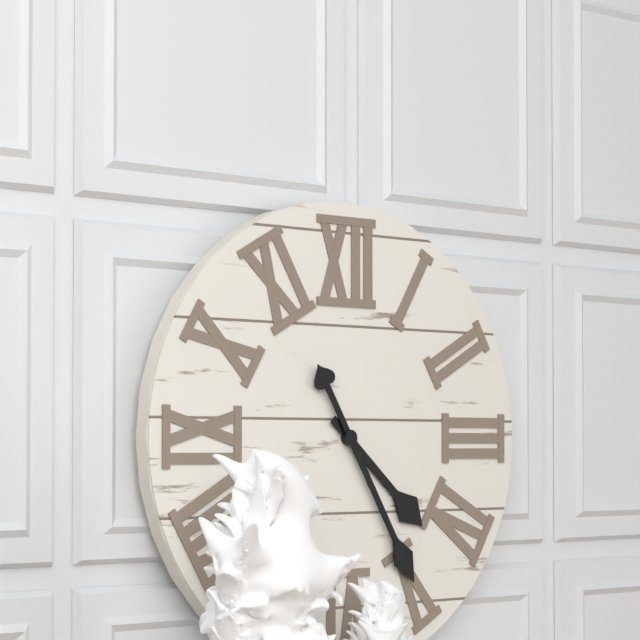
4:25
